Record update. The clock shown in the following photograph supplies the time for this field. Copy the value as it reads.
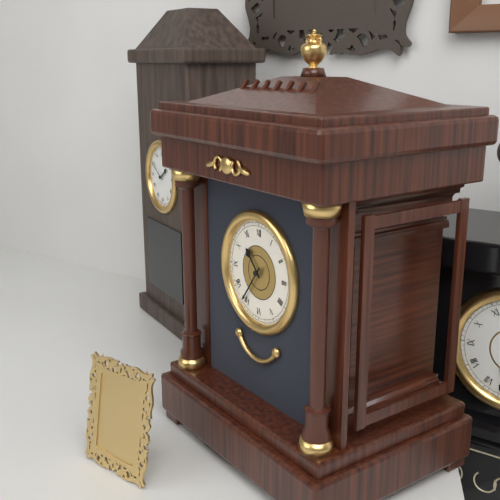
10:36
